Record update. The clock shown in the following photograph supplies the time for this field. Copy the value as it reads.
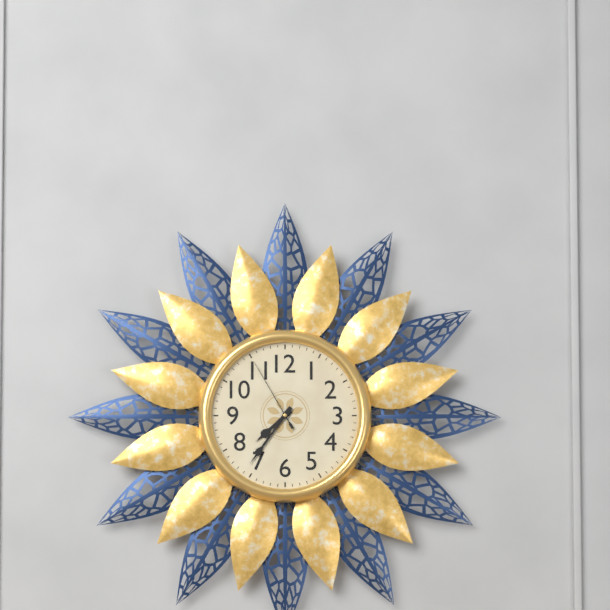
7:36:55
